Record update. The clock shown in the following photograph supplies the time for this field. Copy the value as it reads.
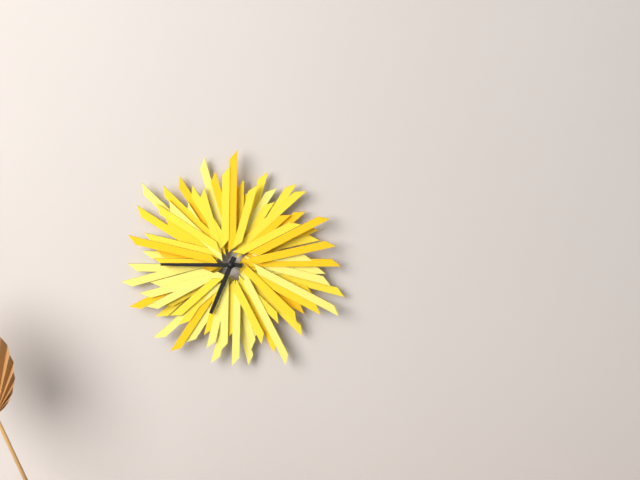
6:45
